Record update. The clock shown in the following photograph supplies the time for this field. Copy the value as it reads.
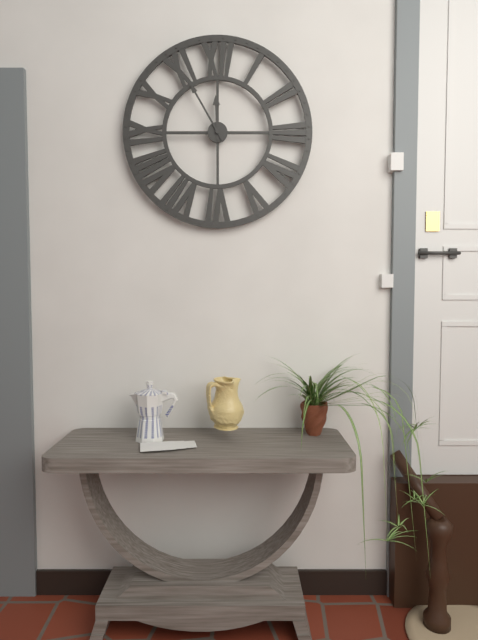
11:55
